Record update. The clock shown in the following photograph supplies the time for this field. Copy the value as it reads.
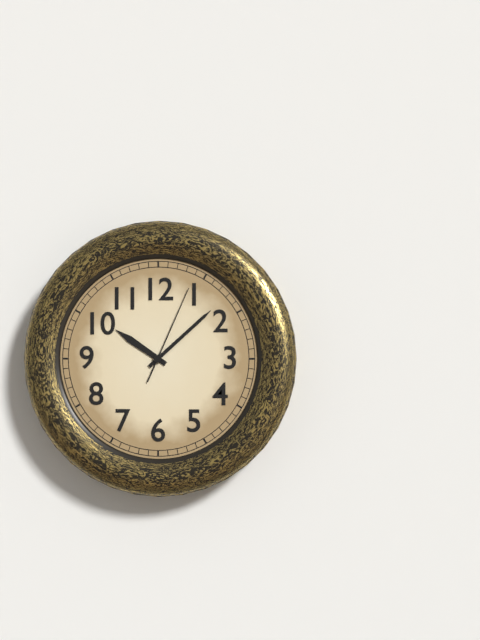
10:08:04
